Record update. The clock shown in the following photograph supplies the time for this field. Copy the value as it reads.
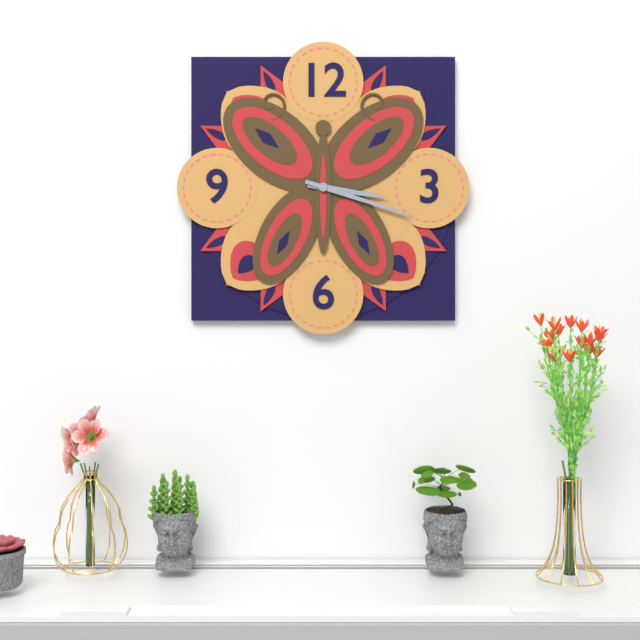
3:18
